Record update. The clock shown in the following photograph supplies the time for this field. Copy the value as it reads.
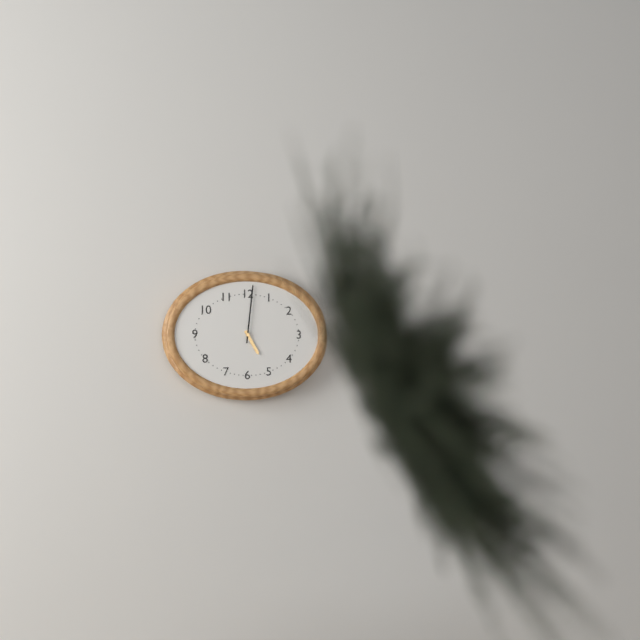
5:01
